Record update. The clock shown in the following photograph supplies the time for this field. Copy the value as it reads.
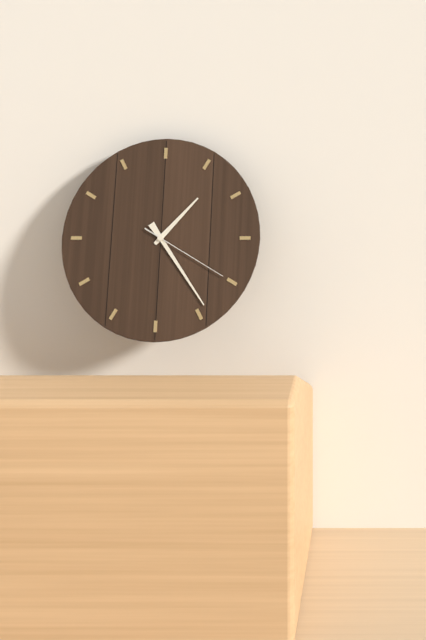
1:24:20
